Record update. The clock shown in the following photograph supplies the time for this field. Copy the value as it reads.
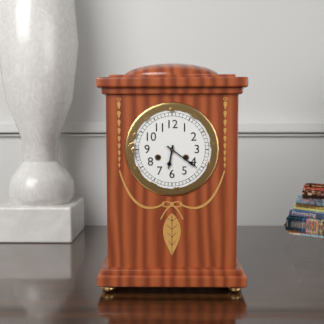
6:21
